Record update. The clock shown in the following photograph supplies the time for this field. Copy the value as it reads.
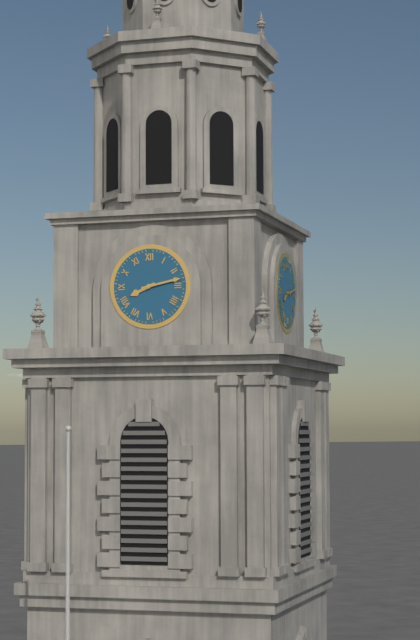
8:13
